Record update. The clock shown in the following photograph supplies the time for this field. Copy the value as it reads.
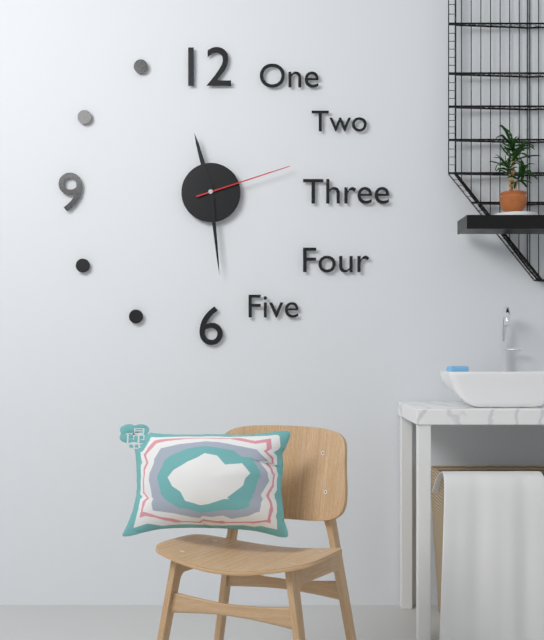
11:29:12
